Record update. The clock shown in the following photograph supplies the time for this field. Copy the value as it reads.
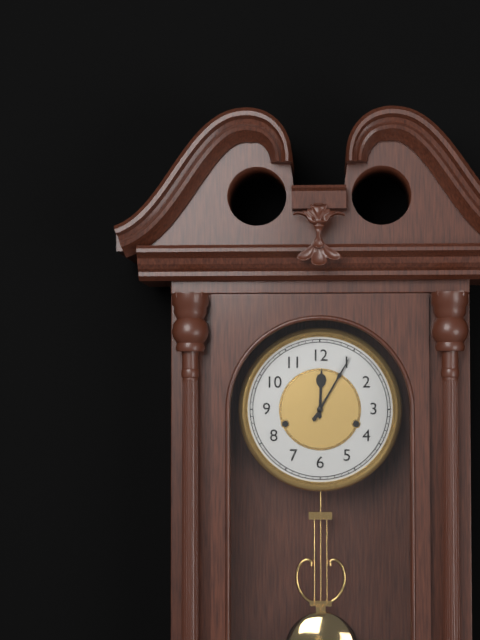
12:05
